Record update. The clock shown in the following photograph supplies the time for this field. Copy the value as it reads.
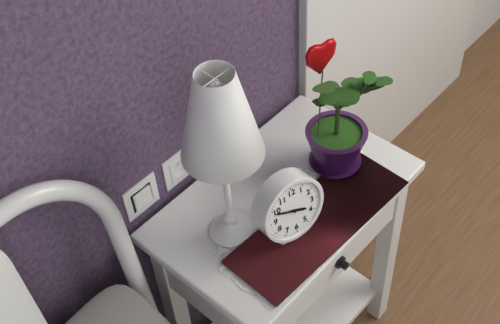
3:49
